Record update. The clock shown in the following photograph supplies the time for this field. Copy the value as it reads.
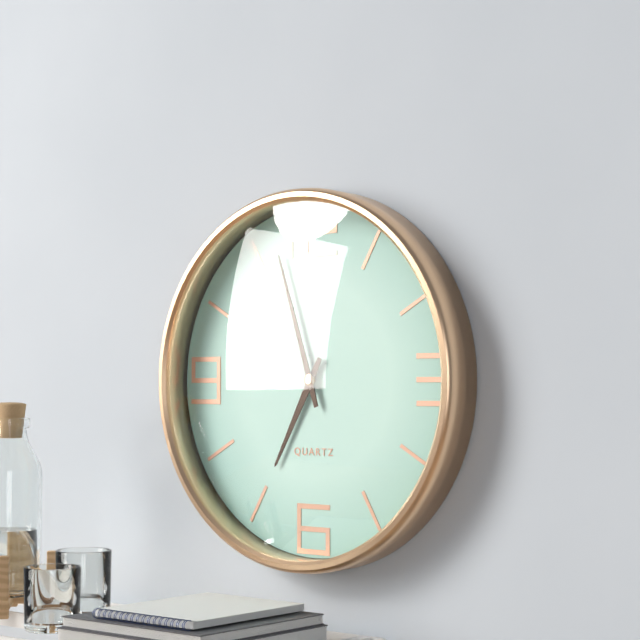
6:57
